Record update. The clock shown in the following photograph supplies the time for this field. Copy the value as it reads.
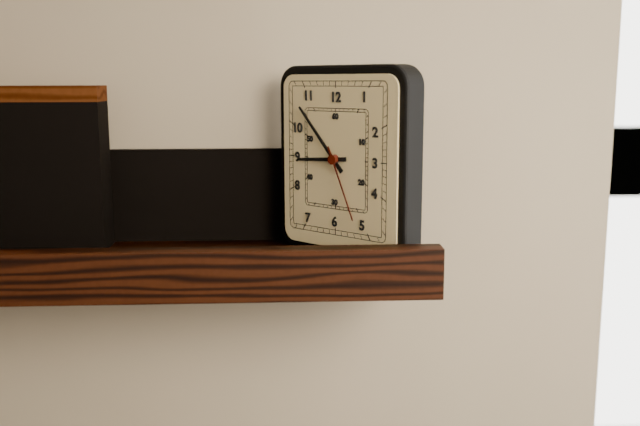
8:53:26
